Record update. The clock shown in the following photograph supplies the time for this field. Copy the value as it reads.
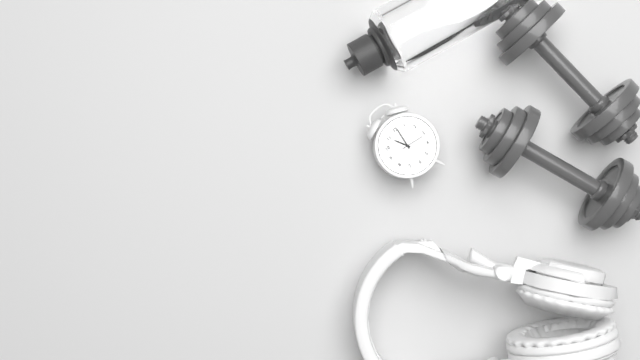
11:01
